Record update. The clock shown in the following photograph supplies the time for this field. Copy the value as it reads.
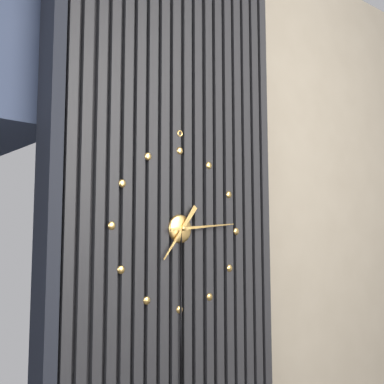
7:14
